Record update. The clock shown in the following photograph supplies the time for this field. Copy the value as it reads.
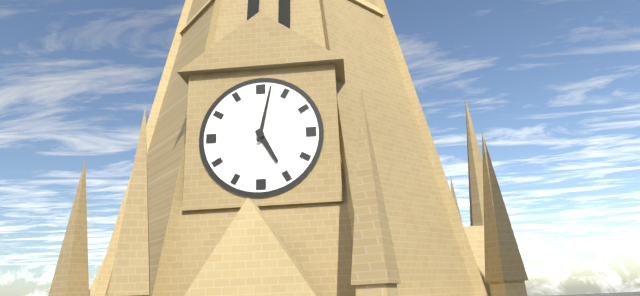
5:02
